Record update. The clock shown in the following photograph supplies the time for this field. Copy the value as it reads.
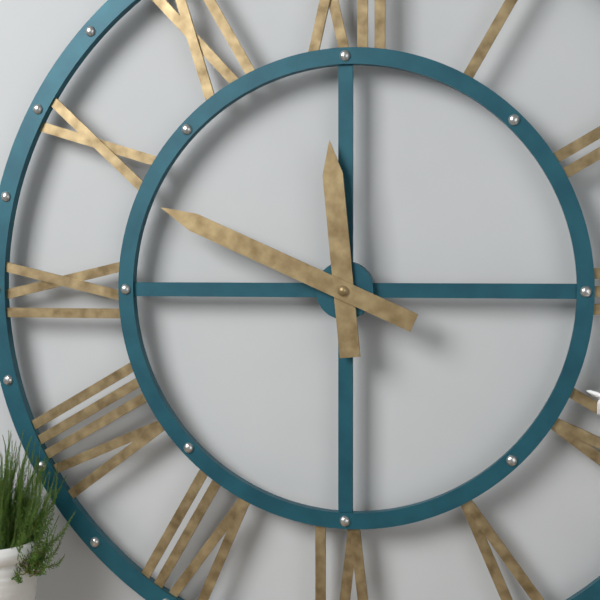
11:49
